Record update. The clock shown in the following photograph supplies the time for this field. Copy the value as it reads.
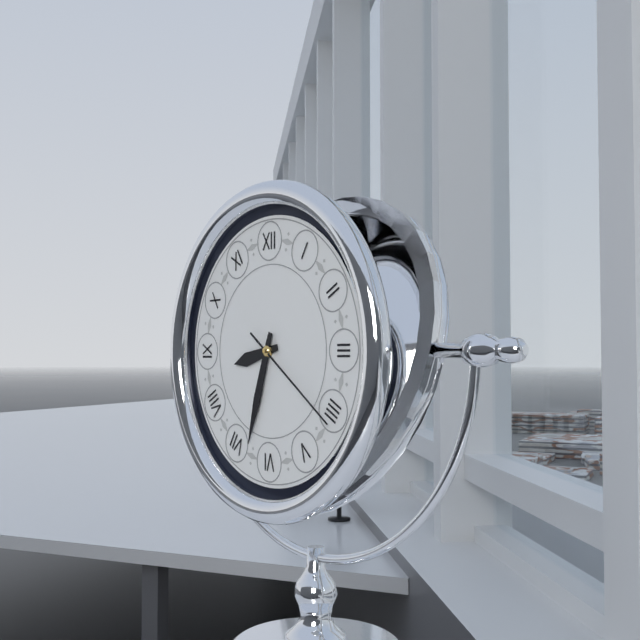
8:33:21
